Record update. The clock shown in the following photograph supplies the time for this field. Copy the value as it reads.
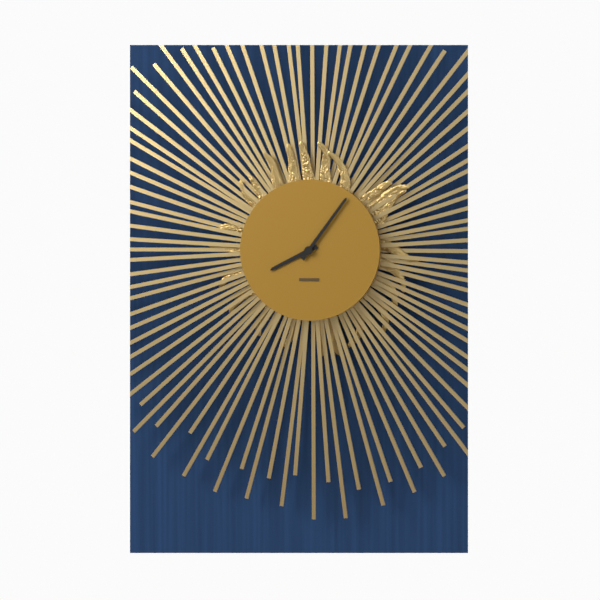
8:06
